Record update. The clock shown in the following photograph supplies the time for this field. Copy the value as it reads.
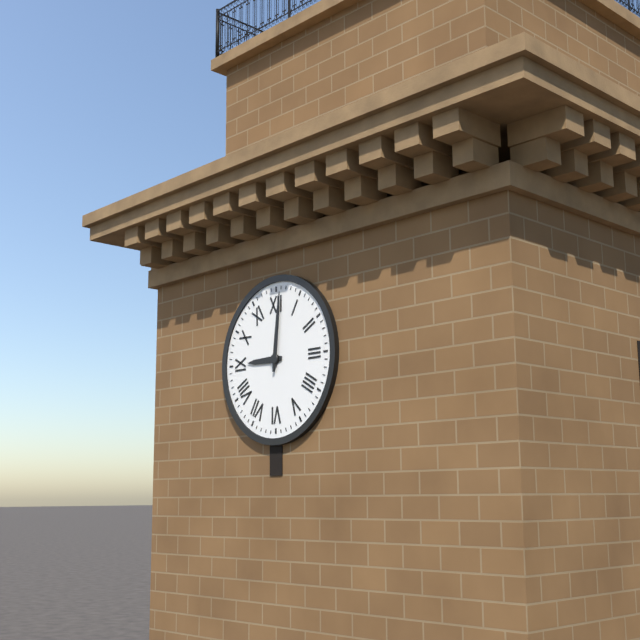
9:01
